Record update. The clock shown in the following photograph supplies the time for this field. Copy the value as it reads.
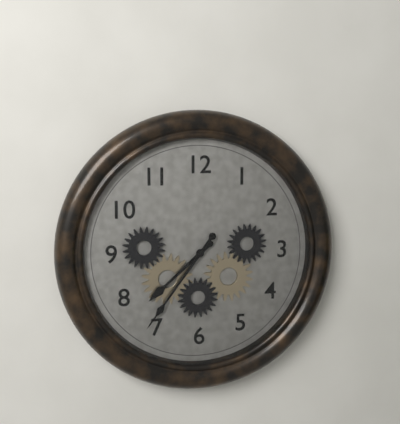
7:36
